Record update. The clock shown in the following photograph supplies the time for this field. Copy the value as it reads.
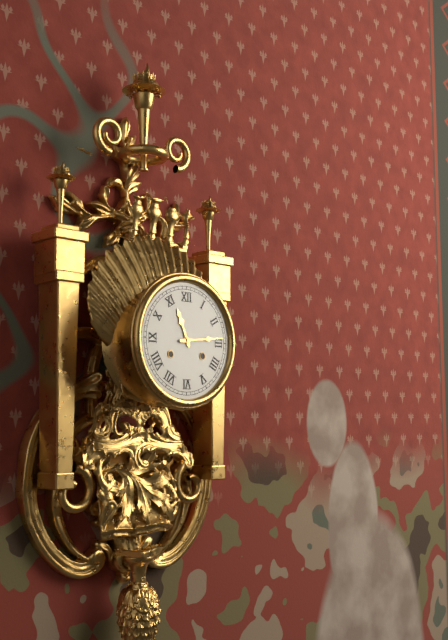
11:14
